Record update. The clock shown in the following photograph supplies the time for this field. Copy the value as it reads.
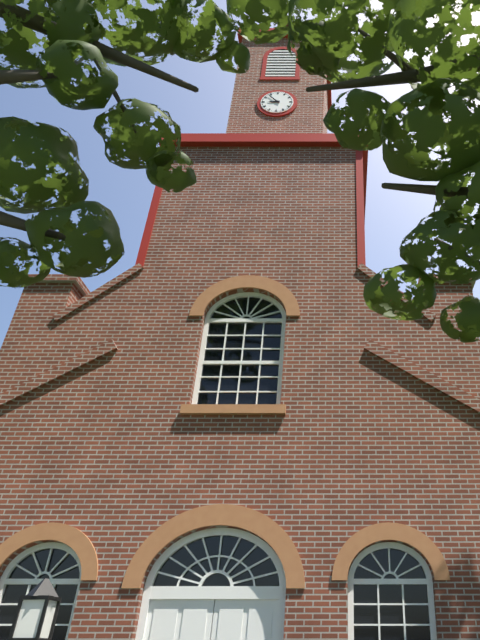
8:53
